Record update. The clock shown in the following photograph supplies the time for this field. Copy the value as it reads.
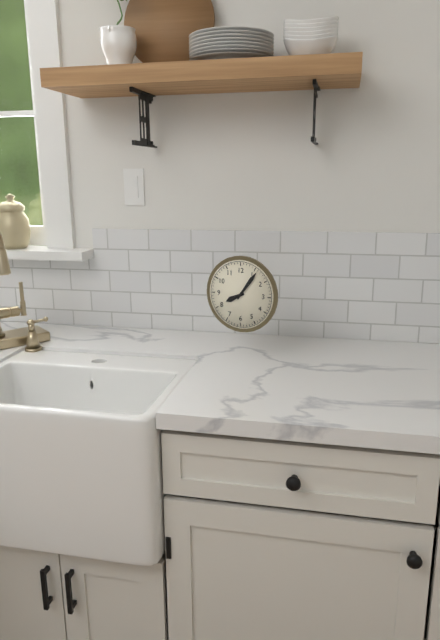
8:06
